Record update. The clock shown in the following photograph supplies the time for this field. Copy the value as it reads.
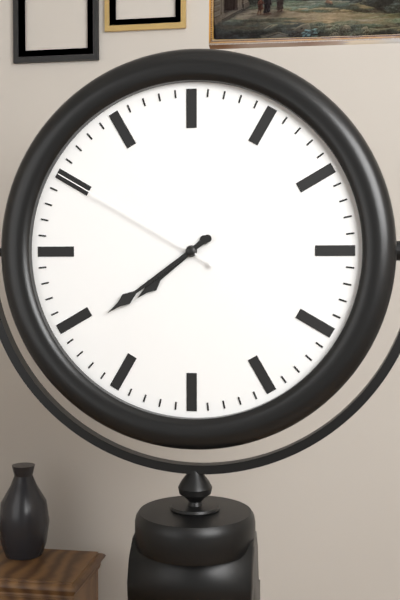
7:39:50
